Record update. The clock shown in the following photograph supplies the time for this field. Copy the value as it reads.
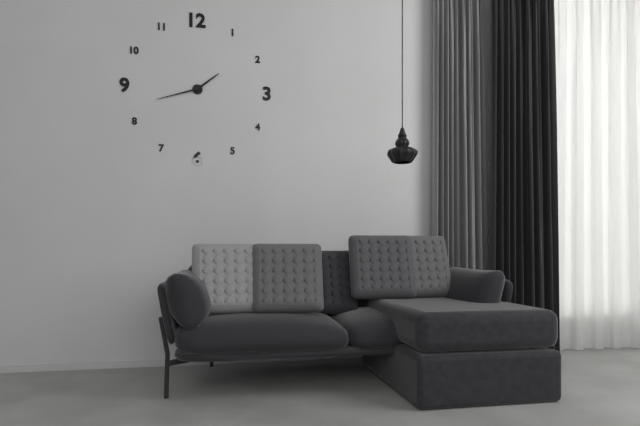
1:42
